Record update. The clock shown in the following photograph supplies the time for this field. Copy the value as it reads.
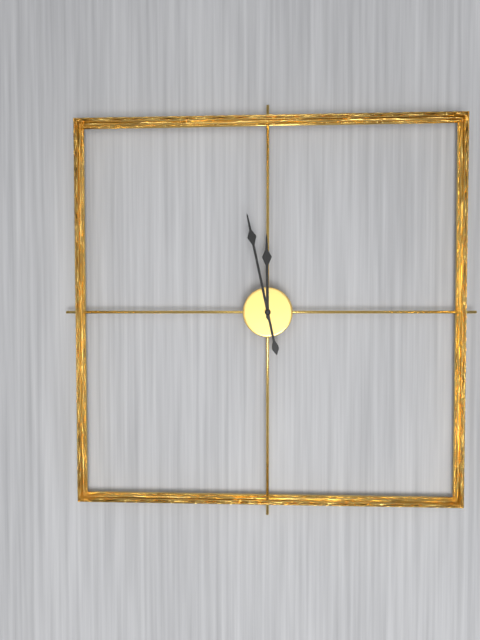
11:58
